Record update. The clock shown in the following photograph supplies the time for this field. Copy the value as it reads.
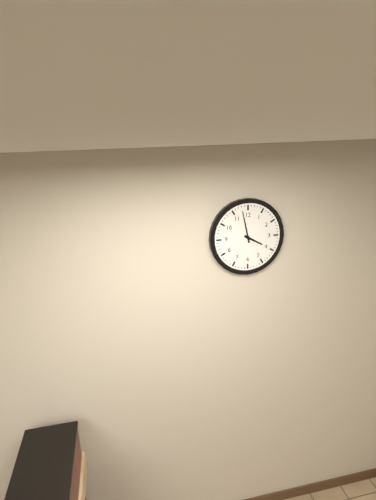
3:58
